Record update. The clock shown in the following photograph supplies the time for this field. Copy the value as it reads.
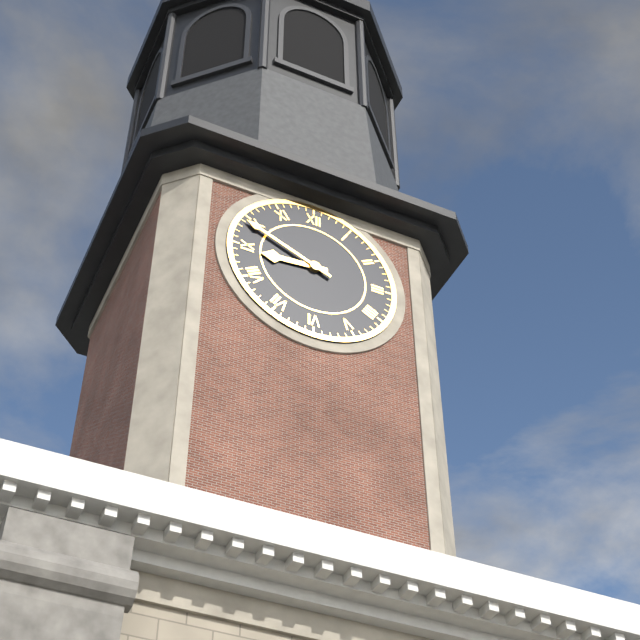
8:49
